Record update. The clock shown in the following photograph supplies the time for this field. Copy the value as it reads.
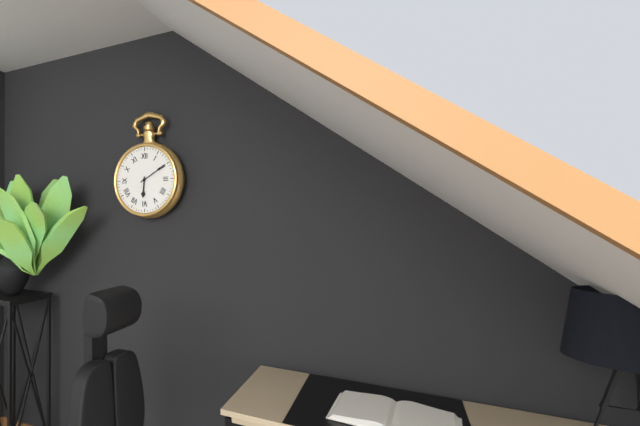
6:10
